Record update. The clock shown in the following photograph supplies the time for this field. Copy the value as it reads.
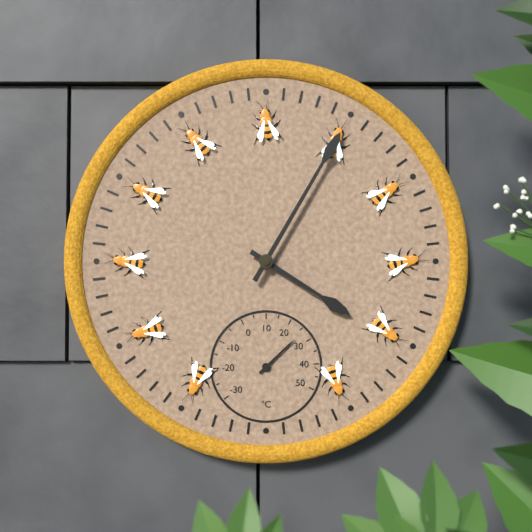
4:05
